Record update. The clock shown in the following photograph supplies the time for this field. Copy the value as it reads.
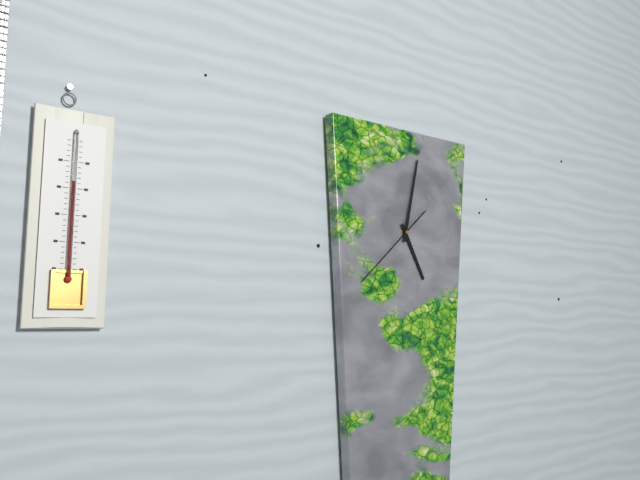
5:02:38
